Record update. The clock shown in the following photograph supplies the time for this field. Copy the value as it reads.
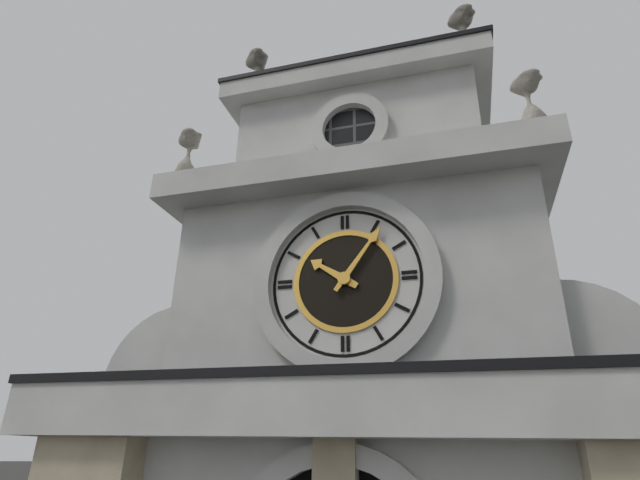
10:06
